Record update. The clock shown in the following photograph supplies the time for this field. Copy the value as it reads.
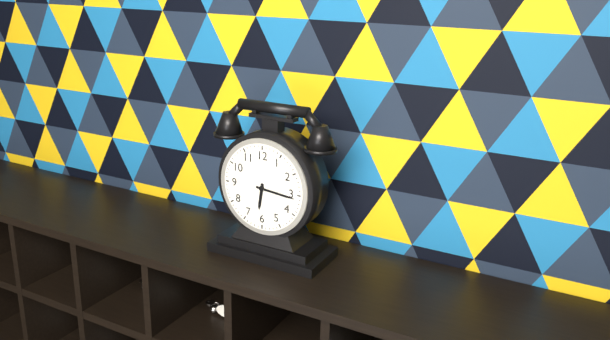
6:16
